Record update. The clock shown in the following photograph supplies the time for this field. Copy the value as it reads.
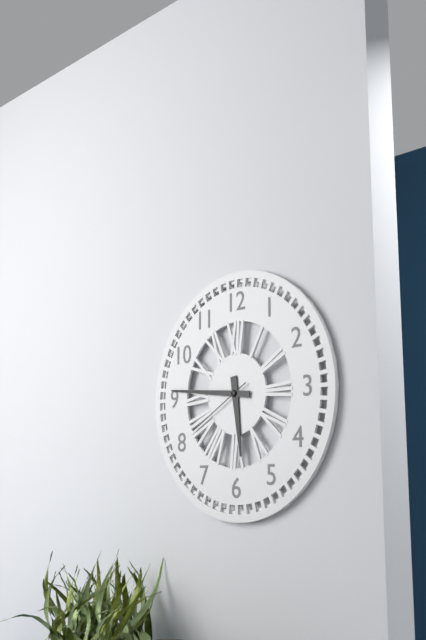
5:46:40
